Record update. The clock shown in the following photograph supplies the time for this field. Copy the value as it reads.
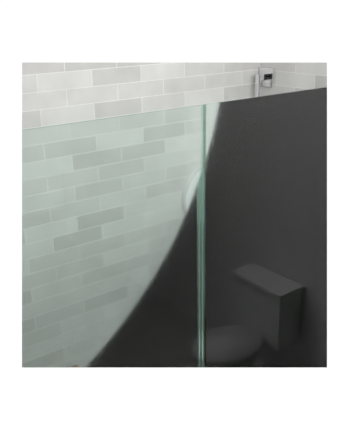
1:02
